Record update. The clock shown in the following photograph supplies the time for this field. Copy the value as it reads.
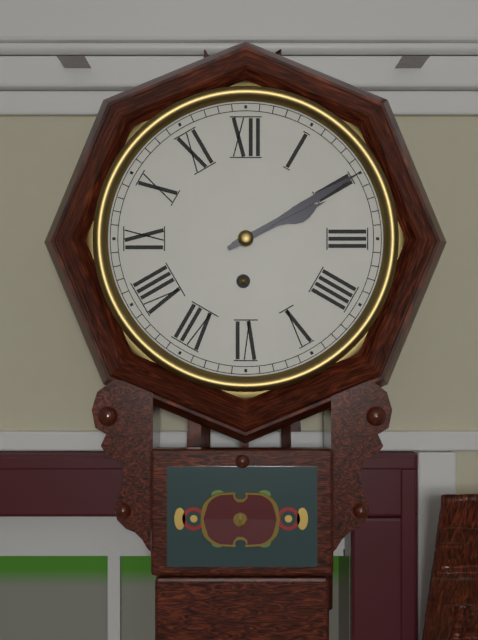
2:10
